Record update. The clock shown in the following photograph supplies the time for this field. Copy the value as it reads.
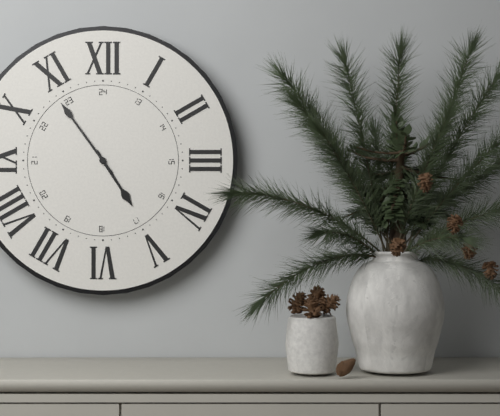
4:54
